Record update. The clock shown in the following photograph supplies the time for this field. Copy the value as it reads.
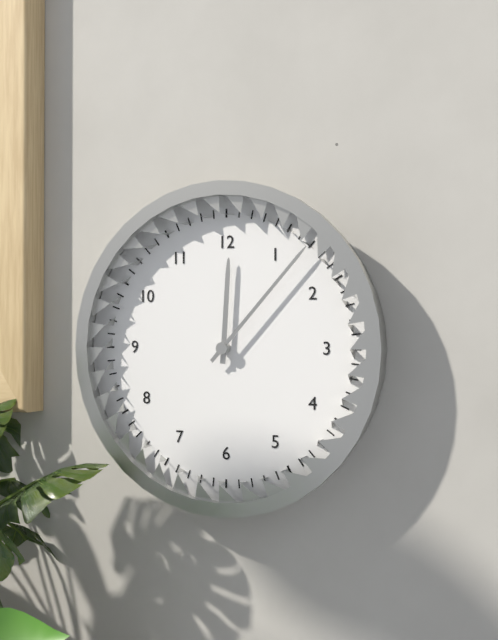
12:07
